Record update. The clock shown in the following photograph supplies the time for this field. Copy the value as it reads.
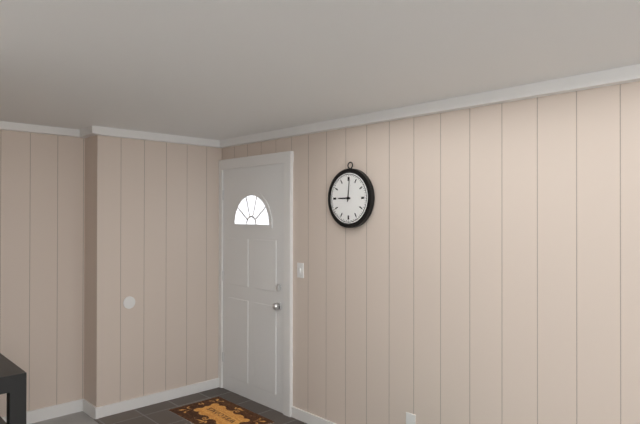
9:01
